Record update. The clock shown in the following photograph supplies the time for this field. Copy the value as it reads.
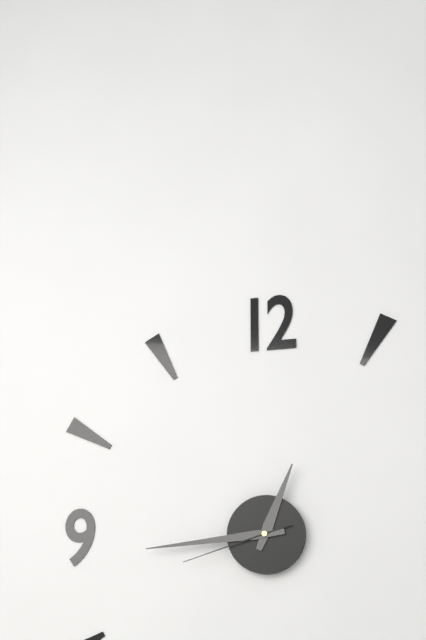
12:44:42
